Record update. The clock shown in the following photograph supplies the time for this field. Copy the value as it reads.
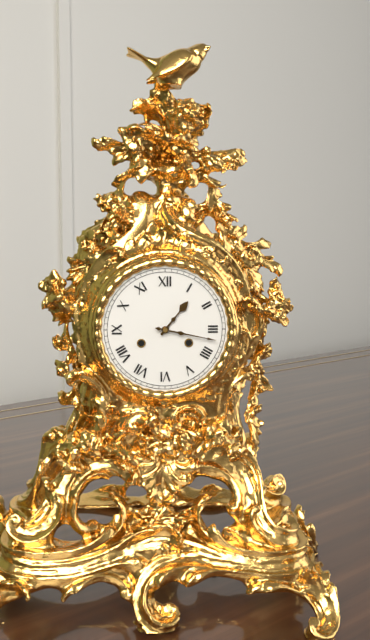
1:17
